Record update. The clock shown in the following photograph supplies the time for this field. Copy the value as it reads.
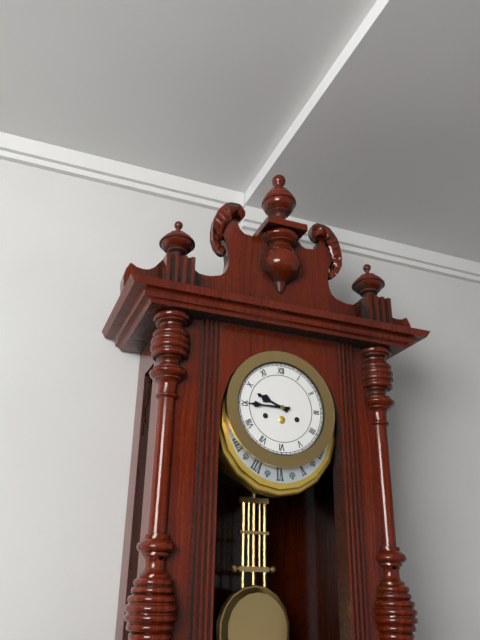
9:45
